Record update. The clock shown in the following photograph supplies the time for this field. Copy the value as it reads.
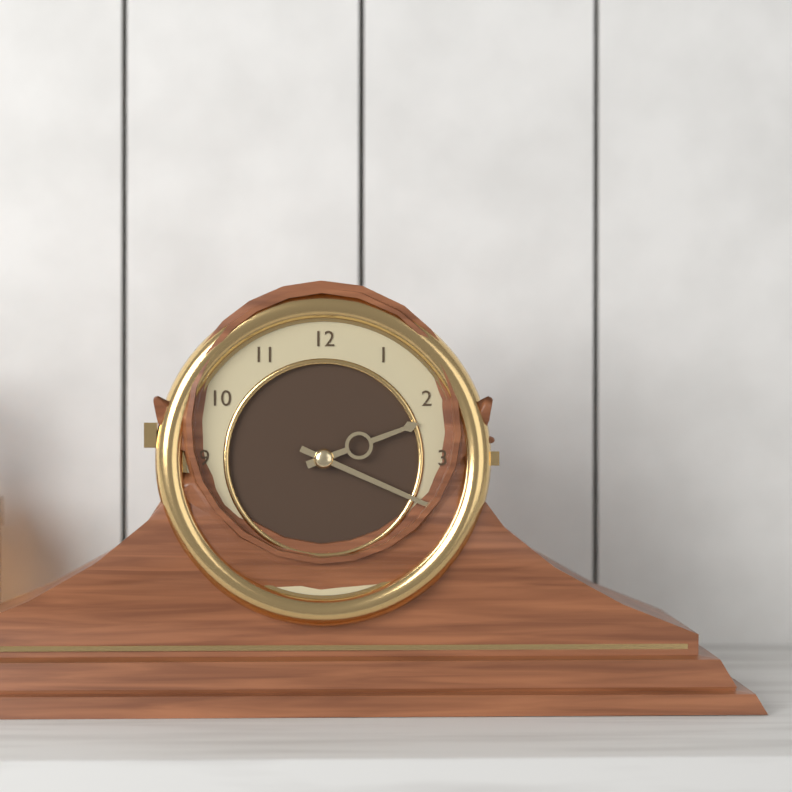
2:19
